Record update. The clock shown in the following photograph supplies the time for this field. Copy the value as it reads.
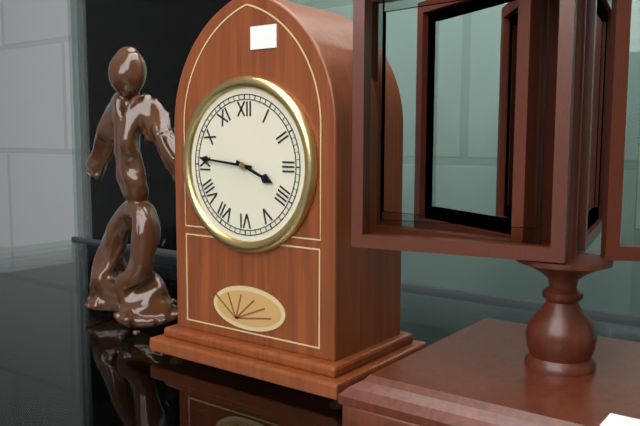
3:46
